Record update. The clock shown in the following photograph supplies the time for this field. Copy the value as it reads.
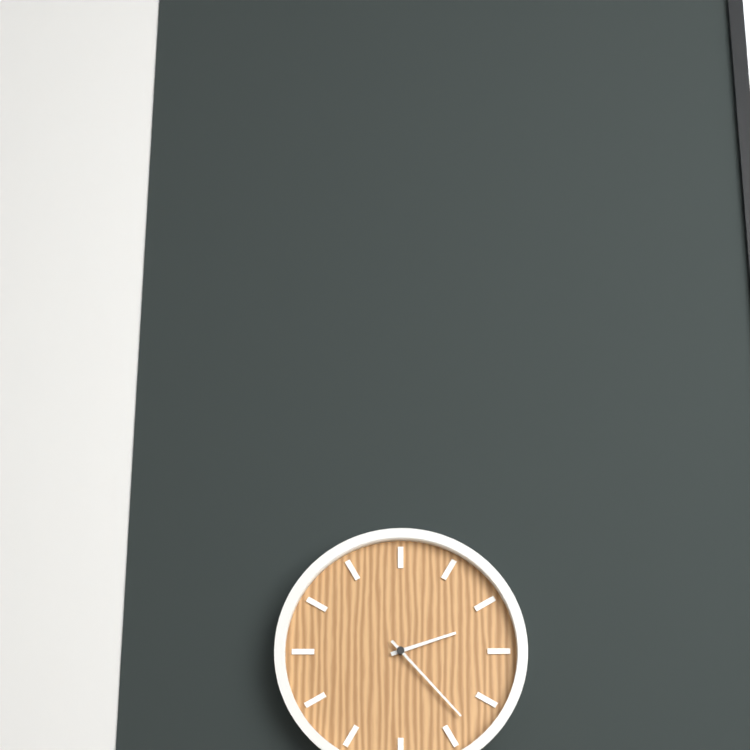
2:23
